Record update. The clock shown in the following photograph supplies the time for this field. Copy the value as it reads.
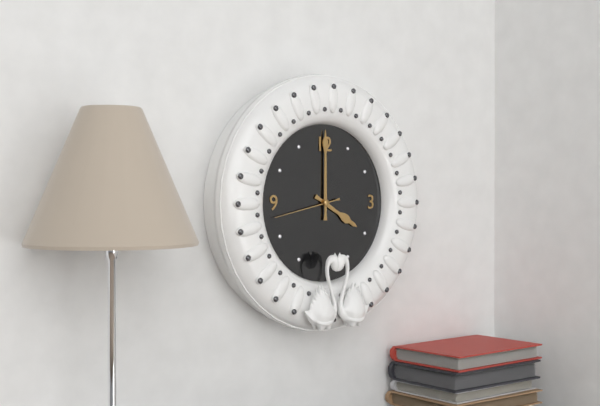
4:00:43
